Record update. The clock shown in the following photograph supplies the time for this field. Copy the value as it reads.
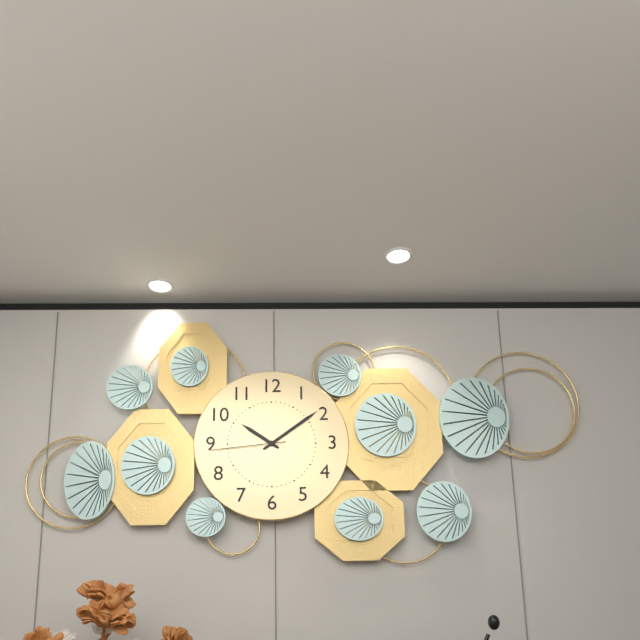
10:09:44
